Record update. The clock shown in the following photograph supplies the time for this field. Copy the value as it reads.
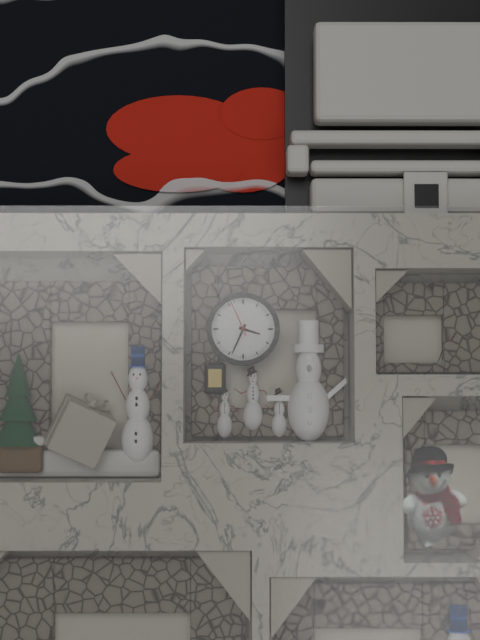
3:34
